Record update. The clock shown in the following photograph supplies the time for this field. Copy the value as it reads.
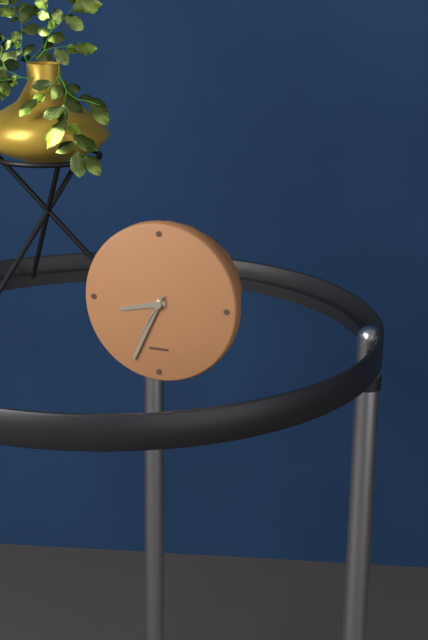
8:34:35
